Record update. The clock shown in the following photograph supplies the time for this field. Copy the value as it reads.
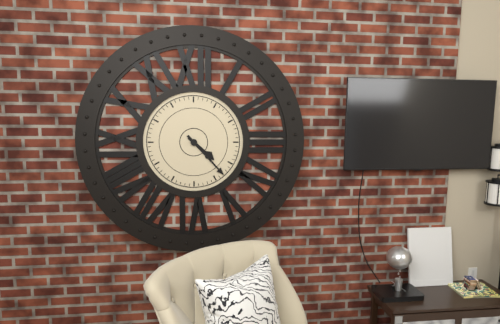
4:23
